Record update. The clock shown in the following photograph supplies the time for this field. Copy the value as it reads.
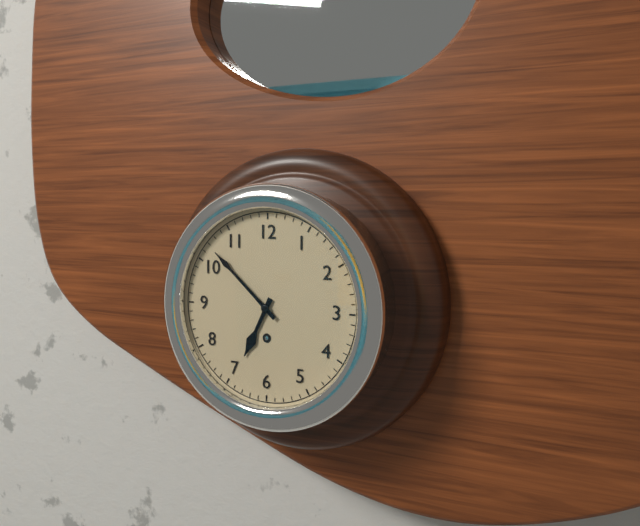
6:52
